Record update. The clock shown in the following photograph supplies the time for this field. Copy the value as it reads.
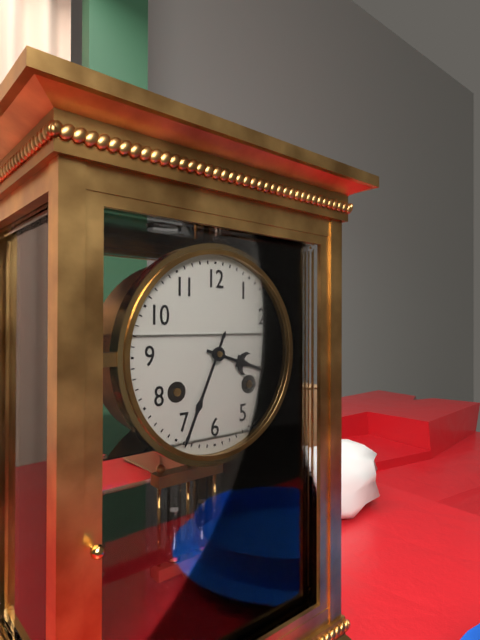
3:34
